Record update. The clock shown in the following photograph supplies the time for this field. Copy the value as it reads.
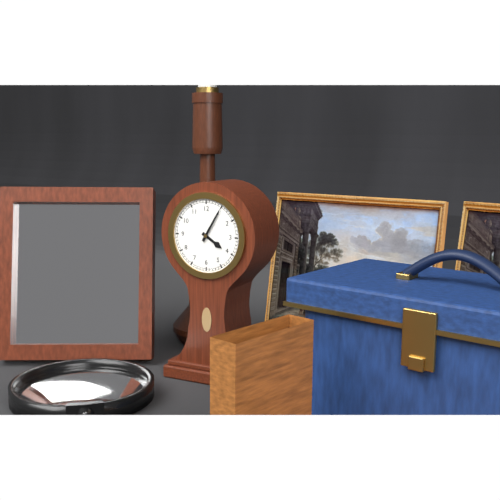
4:05
